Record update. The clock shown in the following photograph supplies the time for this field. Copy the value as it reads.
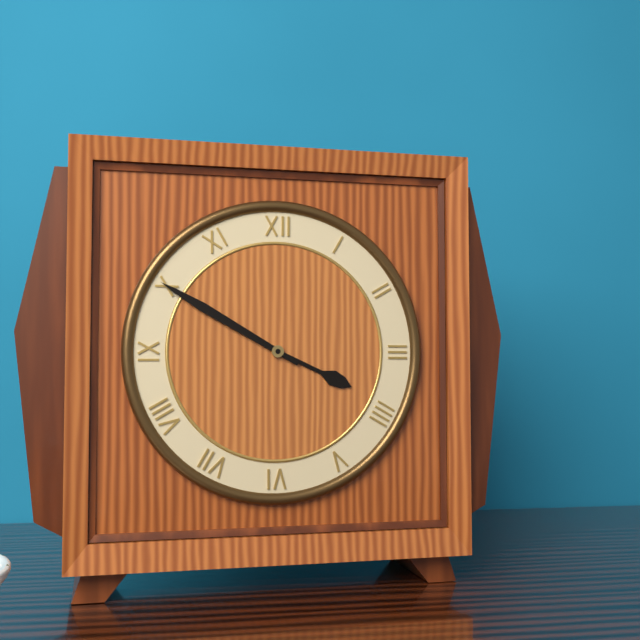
3:50
